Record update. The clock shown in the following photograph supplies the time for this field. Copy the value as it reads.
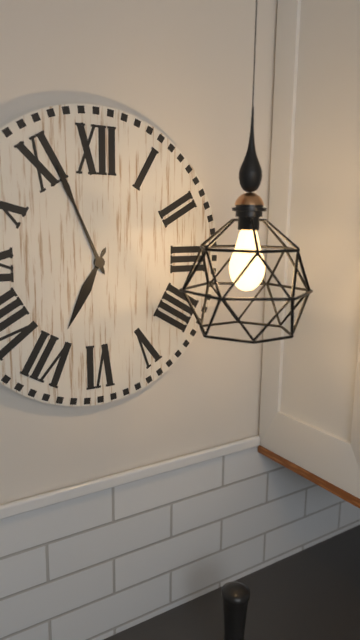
6:56
